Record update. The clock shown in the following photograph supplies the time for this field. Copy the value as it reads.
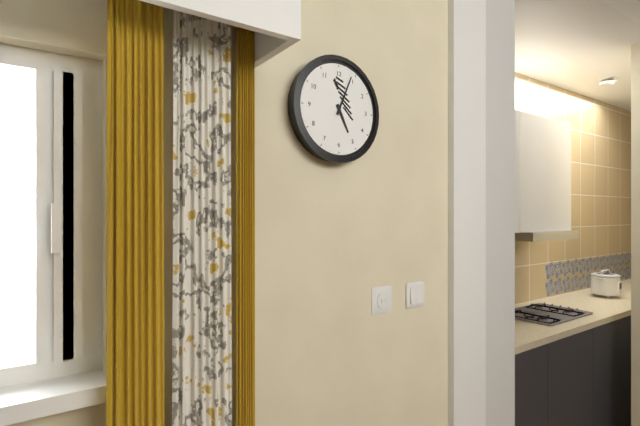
5:04
